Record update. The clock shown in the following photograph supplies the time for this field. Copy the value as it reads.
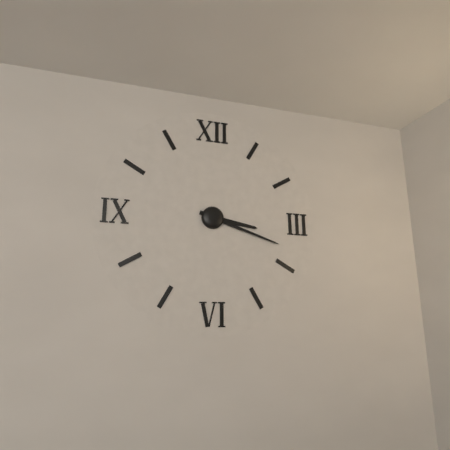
3:18
